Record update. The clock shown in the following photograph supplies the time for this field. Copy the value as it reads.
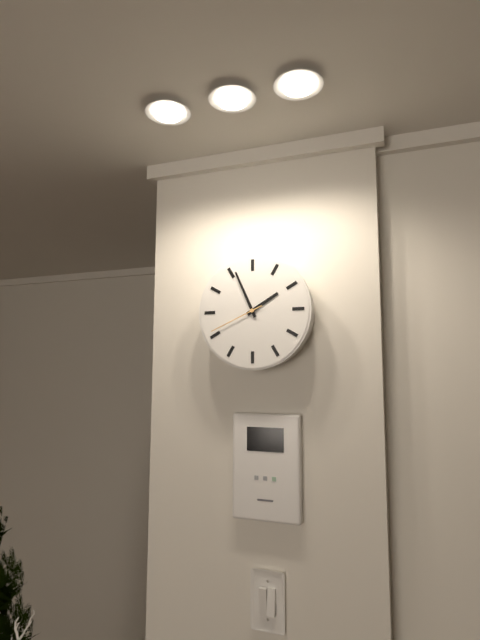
1:56:41
